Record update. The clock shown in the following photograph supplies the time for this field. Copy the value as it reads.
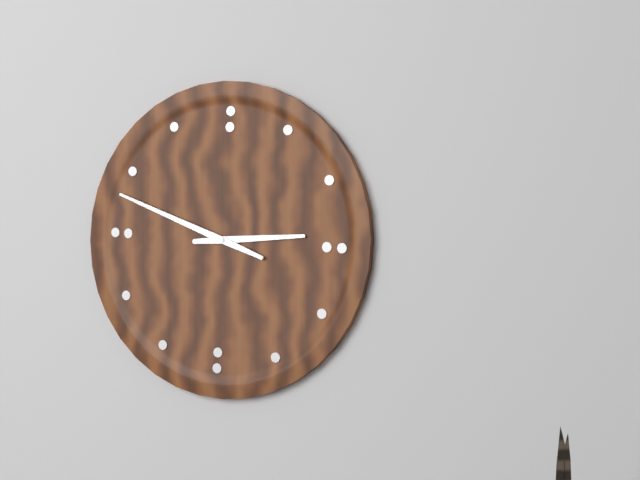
2:48
